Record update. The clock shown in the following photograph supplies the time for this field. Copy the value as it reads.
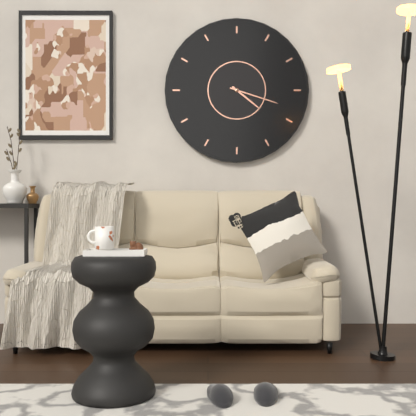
4:18
